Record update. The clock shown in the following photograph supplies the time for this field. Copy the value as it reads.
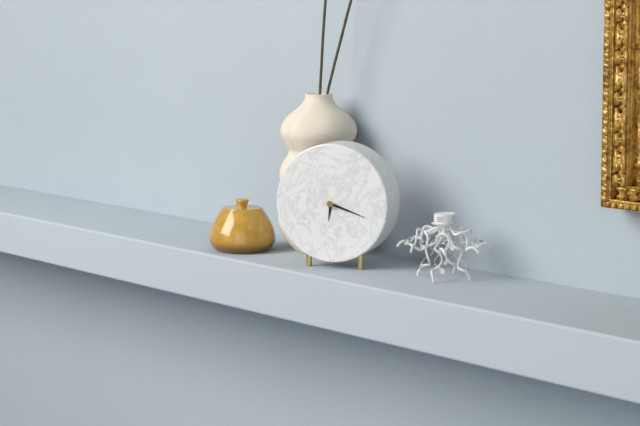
6:18
